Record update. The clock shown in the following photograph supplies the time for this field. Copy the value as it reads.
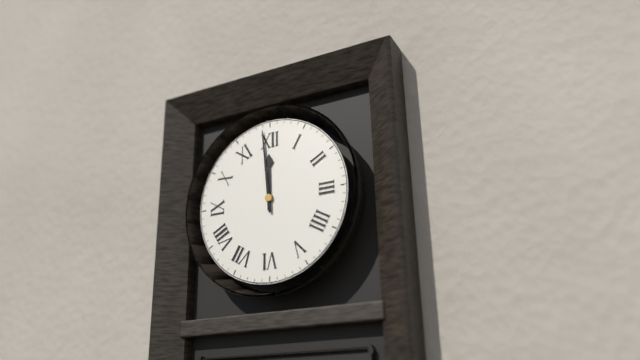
11:59
